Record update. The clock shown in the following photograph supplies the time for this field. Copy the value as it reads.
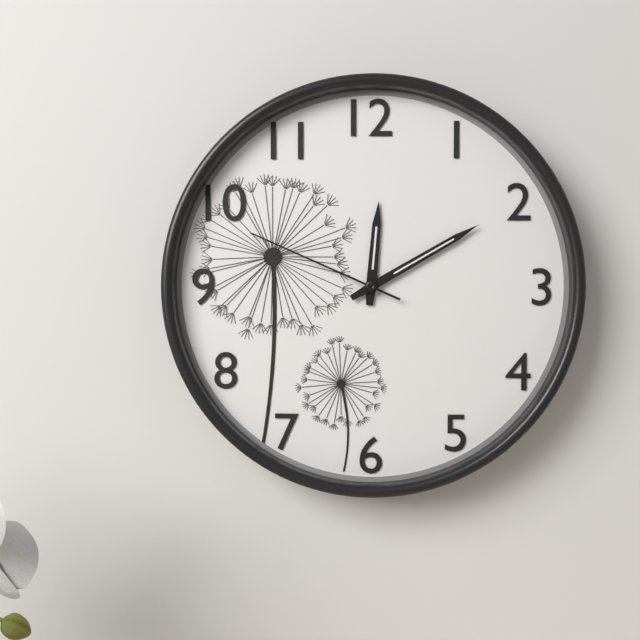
12:10:49
